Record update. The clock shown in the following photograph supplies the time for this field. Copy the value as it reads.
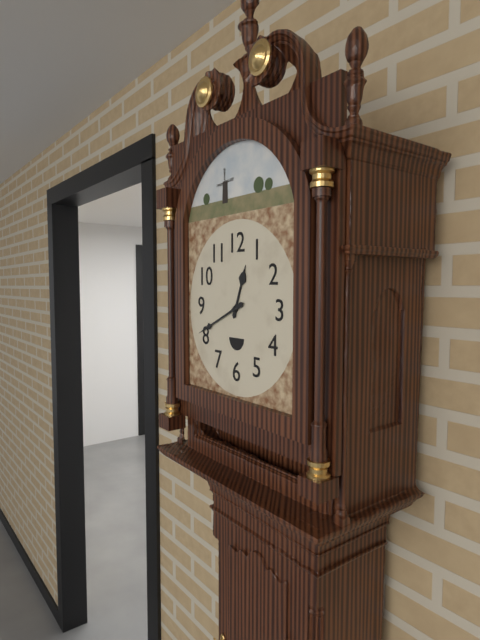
12:41
